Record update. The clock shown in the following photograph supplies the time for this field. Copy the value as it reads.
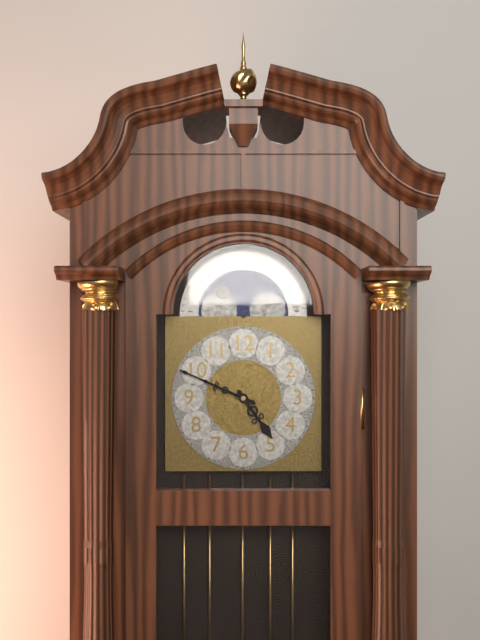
4:49
